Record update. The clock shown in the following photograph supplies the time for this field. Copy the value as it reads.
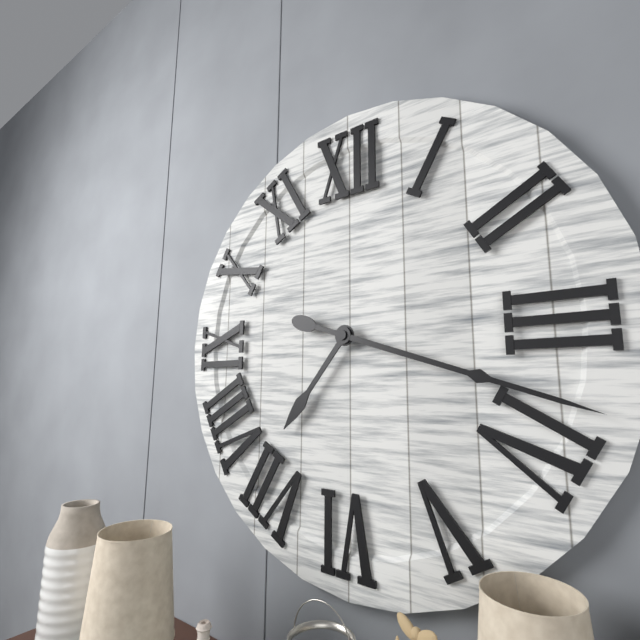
7:18
